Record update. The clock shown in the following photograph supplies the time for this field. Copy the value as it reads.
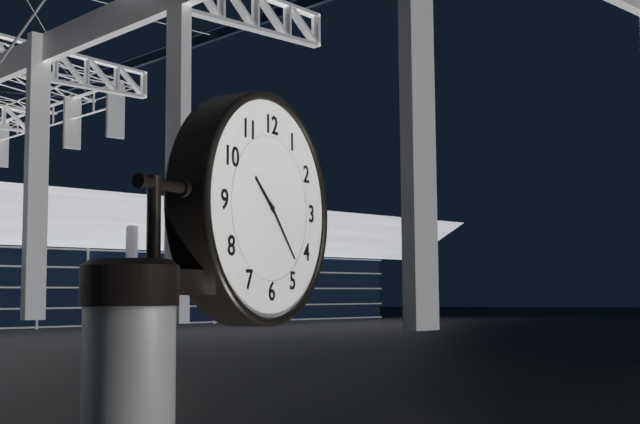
10:23
